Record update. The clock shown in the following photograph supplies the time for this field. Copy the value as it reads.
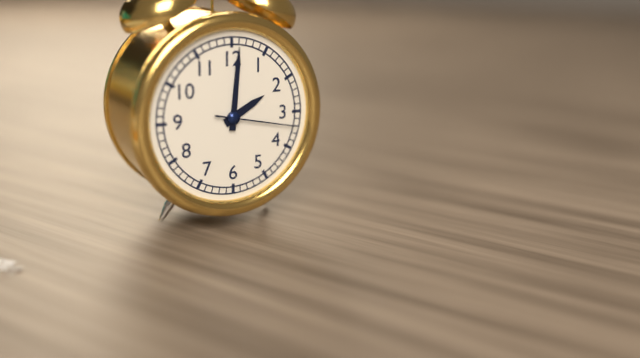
2:01:17
